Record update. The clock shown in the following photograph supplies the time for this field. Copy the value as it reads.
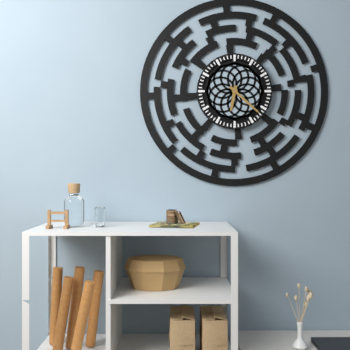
6:22
